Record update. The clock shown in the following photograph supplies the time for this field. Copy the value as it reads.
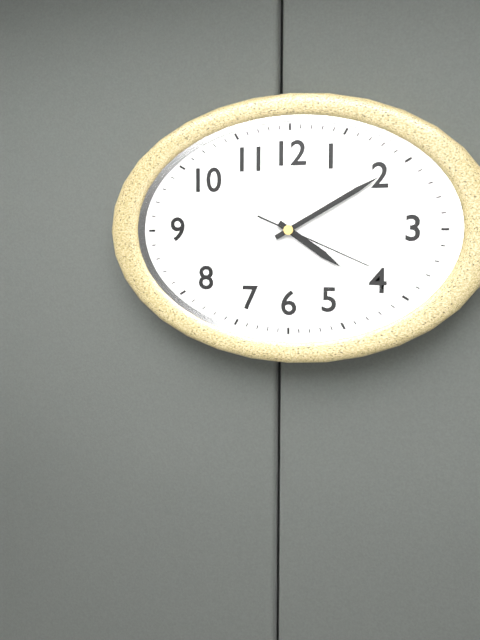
4:10:19
